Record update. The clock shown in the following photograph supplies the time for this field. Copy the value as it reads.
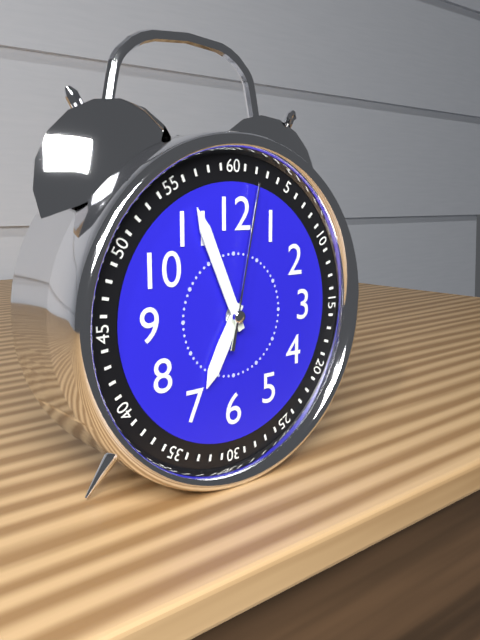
6:56:02
